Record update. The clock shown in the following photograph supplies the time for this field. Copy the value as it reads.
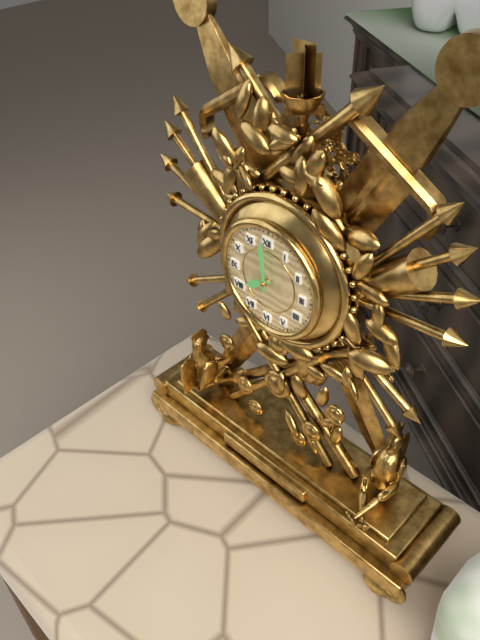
7:59
